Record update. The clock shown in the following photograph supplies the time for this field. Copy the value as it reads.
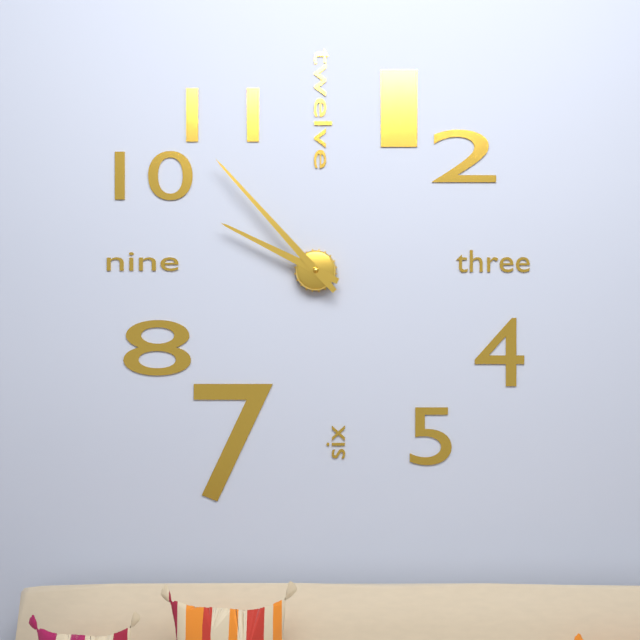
9:53
